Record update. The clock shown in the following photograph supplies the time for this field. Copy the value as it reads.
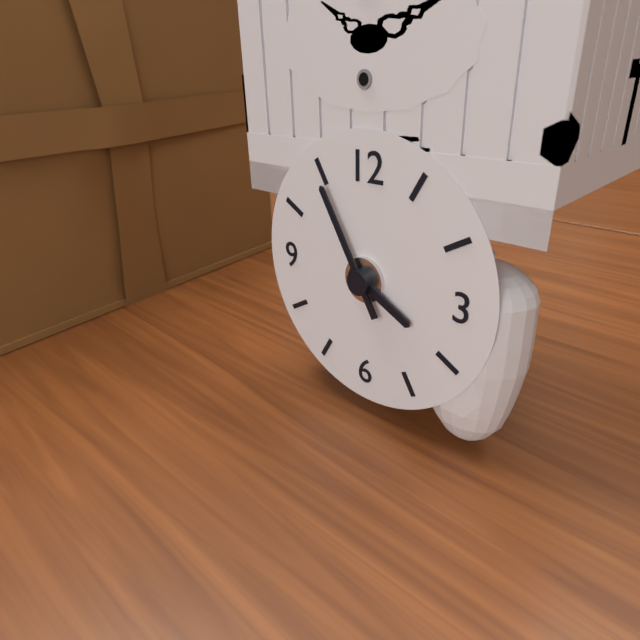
3:55
